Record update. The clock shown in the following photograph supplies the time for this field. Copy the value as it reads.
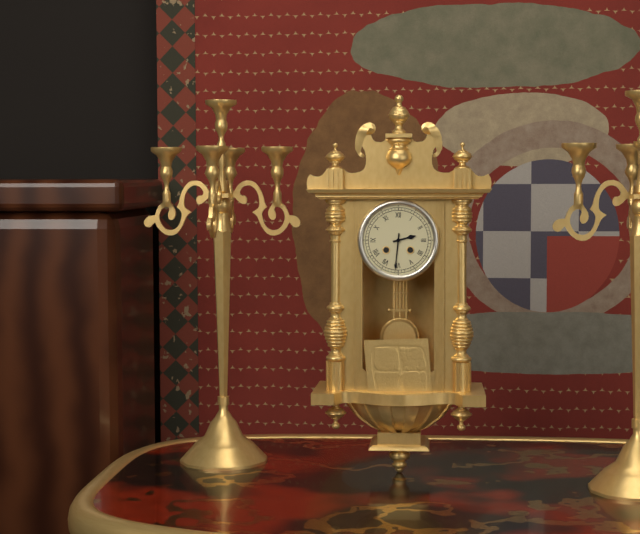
2:31
